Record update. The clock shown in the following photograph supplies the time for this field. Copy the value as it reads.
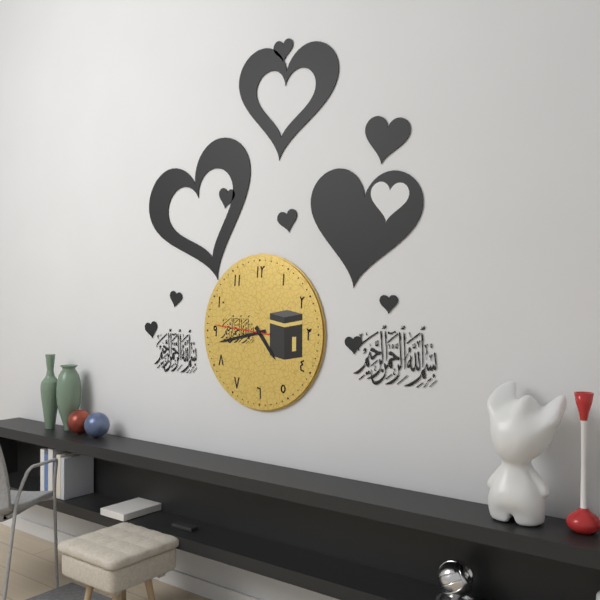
4:43:46
